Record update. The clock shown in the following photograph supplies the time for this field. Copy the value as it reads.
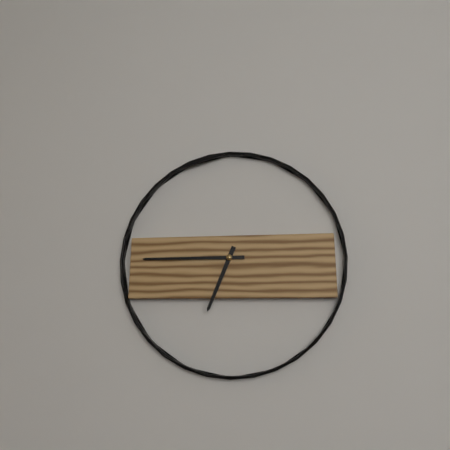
6:45
